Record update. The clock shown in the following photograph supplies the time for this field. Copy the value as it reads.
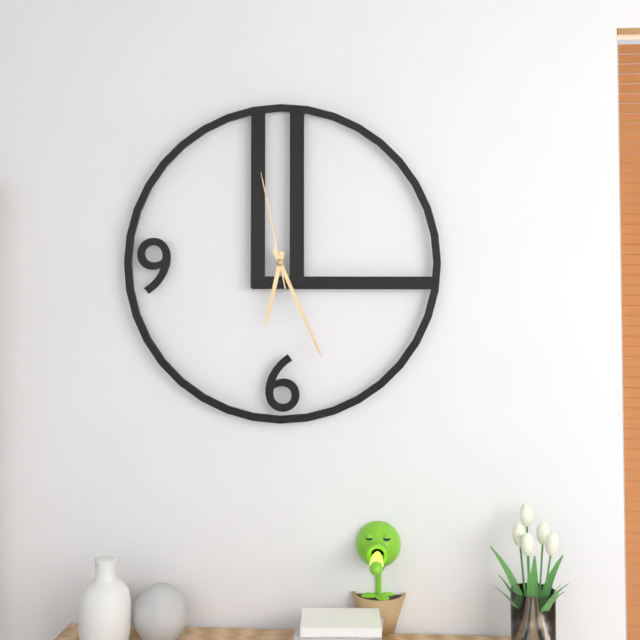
6:26:58
